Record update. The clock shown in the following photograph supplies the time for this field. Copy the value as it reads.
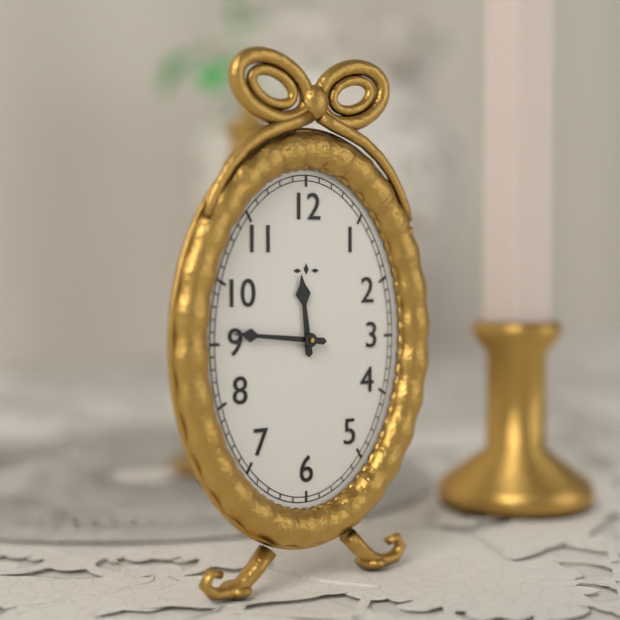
11:46
